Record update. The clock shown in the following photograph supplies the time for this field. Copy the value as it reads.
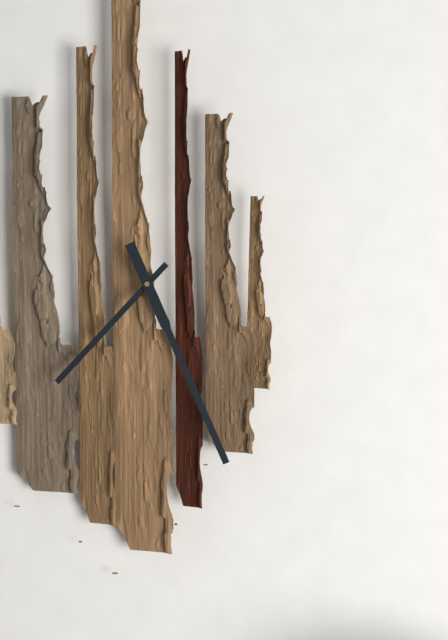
7:26
